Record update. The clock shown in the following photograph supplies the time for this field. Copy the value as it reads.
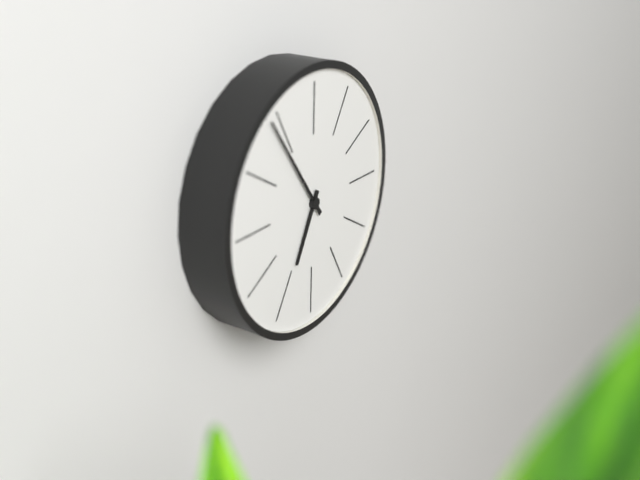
6:54
